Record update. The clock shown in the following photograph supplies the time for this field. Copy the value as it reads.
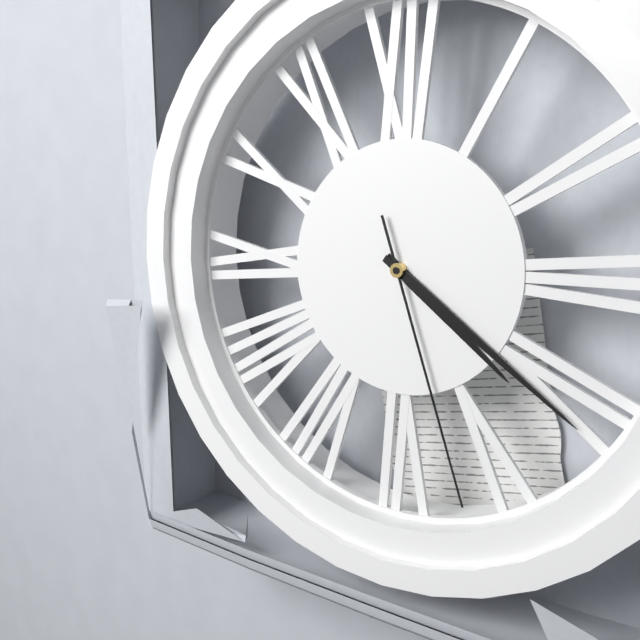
4:21:27
